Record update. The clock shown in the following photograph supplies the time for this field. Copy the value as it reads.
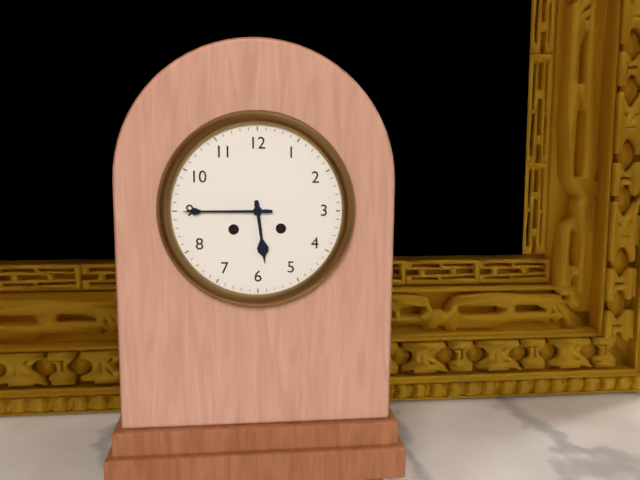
5:45
